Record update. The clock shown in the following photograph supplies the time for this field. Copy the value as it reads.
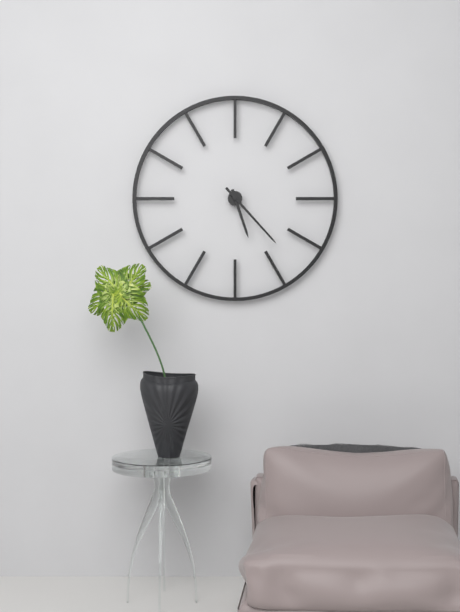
5:23
